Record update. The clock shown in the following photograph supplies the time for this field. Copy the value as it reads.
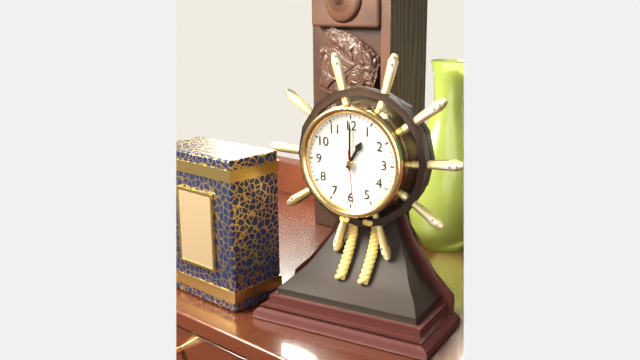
1:00:29
